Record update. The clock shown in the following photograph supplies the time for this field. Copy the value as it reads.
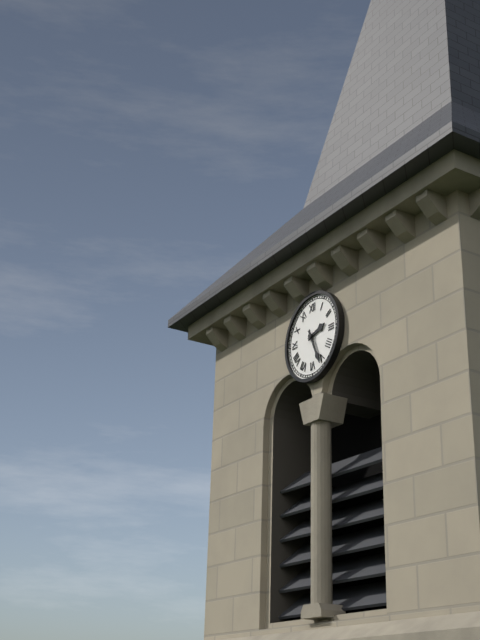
2:26
